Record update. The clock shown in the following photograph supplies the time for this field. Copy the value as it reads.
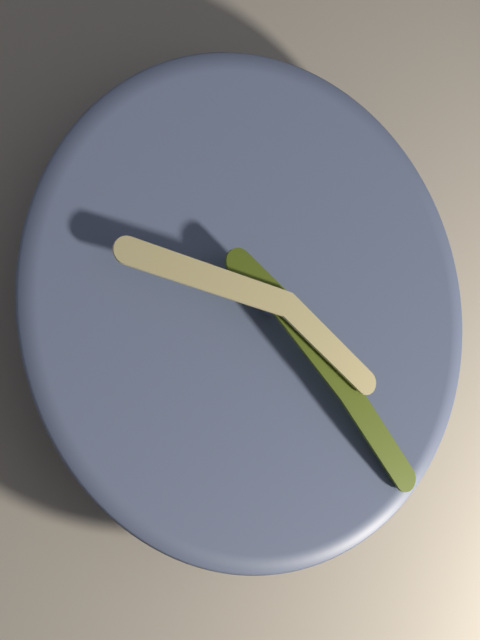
9:23
